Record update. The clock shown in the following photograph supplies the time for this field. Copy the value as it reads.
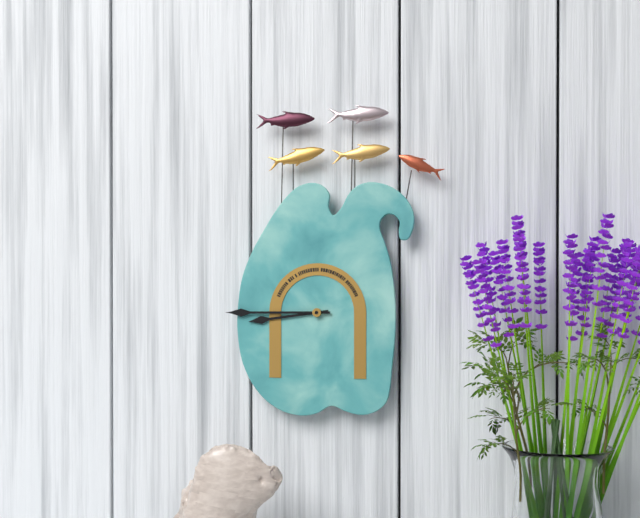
8:45
